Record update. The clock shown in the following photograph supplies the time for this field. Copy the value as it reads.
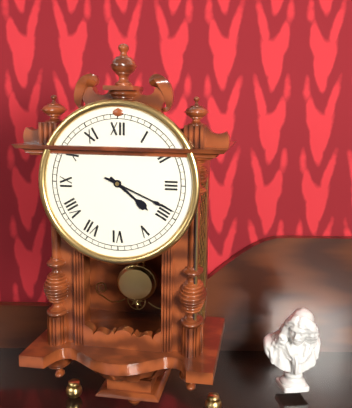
4:19
